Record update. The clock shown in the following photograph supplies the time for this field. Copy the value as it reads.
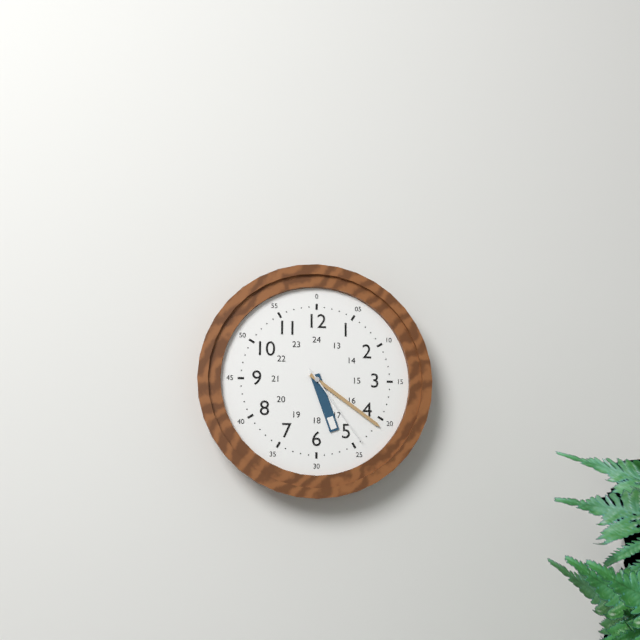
5:21:24
